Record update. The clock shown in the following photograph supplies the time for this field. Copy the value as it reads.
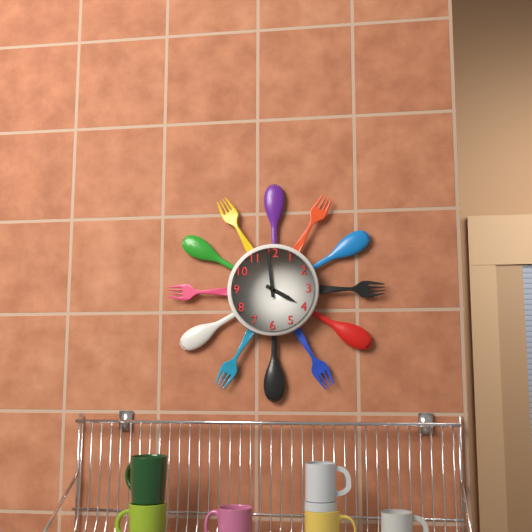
3:59
